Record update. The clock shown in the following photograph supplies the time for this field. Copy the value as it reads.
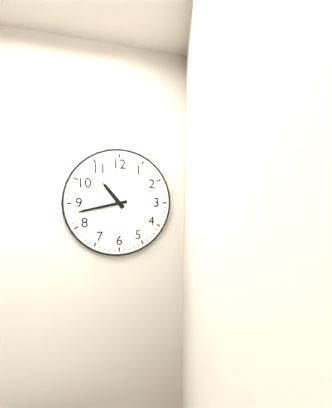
10:43
